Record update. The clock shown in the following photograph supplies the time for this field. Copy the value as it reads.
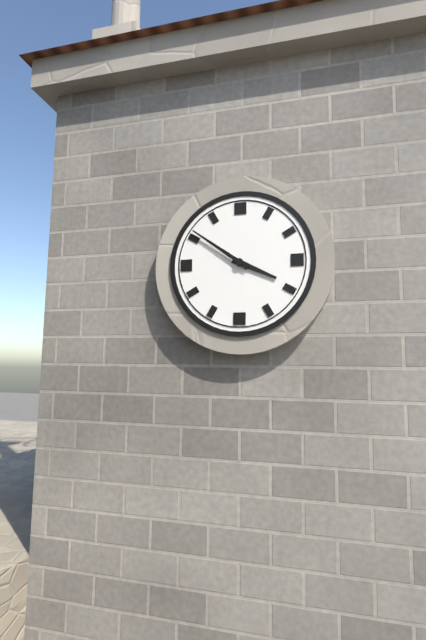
3:51
